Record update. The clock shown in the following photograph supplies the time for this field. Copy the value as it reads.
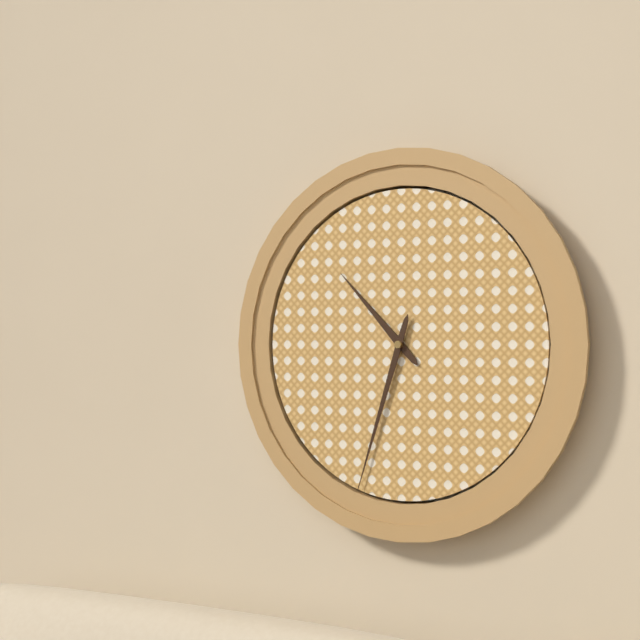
10:33
